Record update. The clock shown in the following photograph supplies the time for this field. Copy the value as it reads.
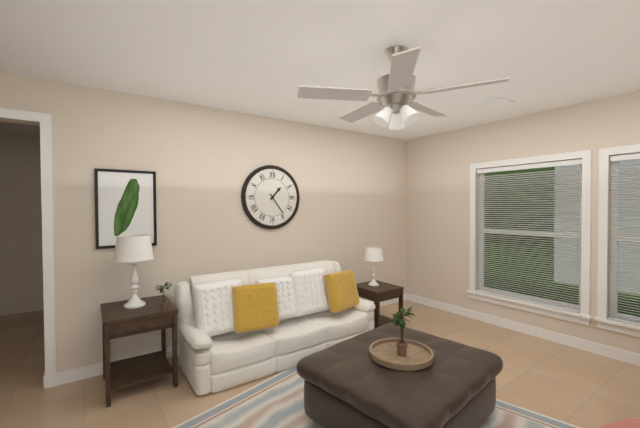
1:24
